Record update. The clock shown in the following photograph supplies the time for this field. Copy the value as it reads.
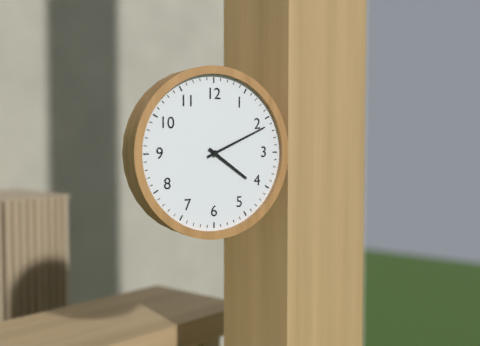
4:11
